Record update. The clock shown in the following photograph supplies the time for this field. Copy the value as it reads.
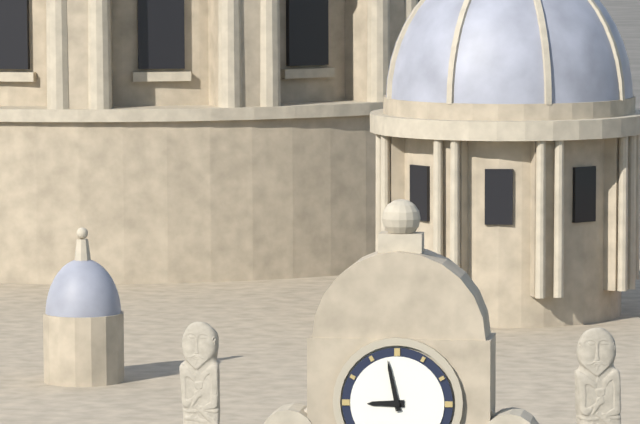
8:58
